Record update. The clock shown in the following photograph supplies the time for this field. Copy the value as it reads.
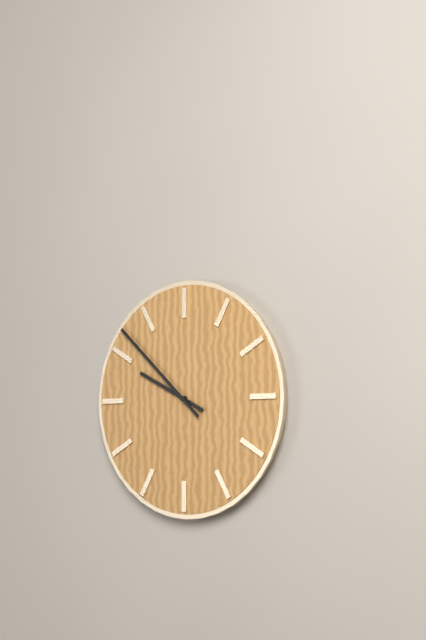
9:52
